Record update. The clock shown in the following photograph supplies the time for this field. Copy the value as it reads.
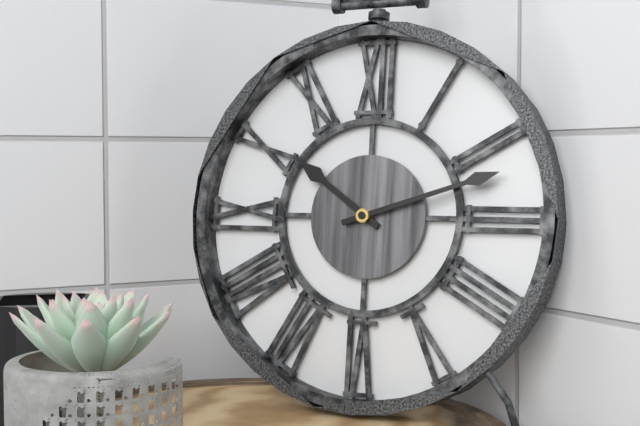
10:12
